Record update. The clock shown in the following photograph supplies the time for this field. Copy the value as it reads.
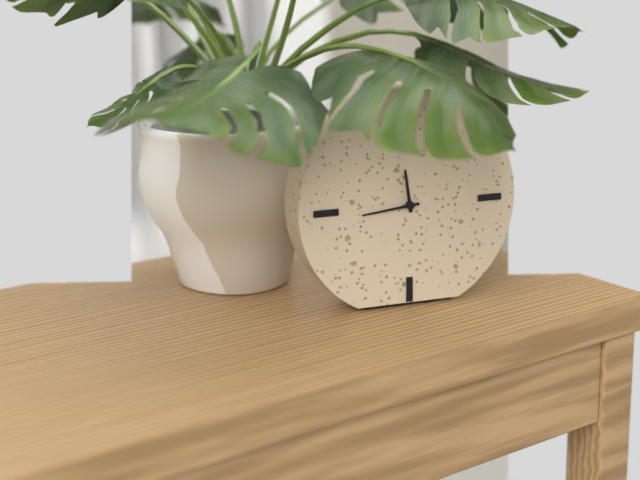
11:44
